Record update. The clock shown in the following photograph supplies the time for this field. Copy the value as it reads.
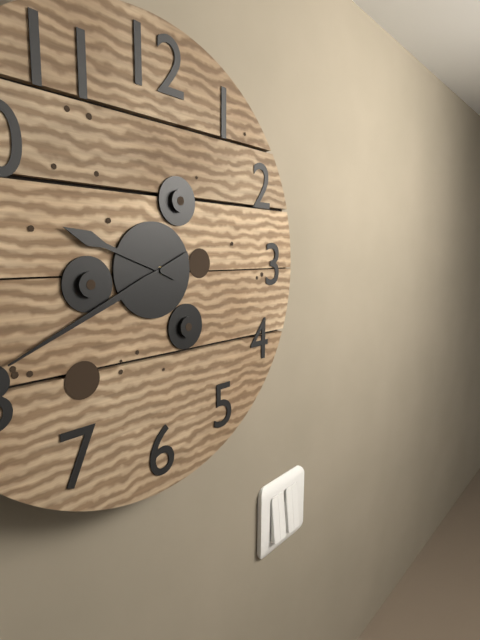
9:41
